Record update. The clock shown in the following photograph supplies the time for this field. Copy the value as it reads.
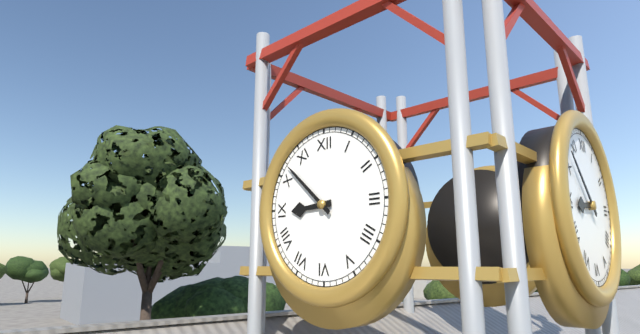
8:52
